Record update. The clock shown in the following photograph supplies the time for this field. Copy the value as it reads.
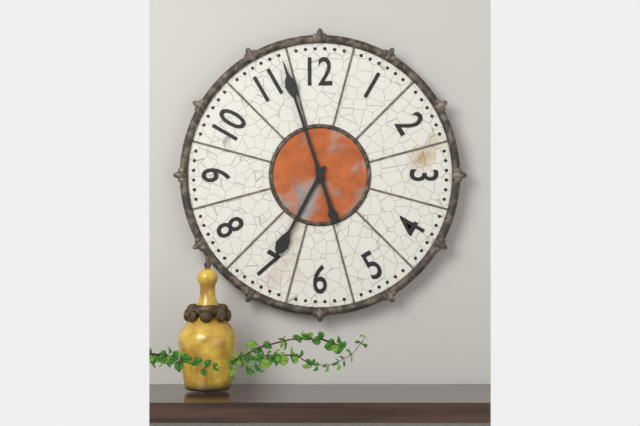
6:57
